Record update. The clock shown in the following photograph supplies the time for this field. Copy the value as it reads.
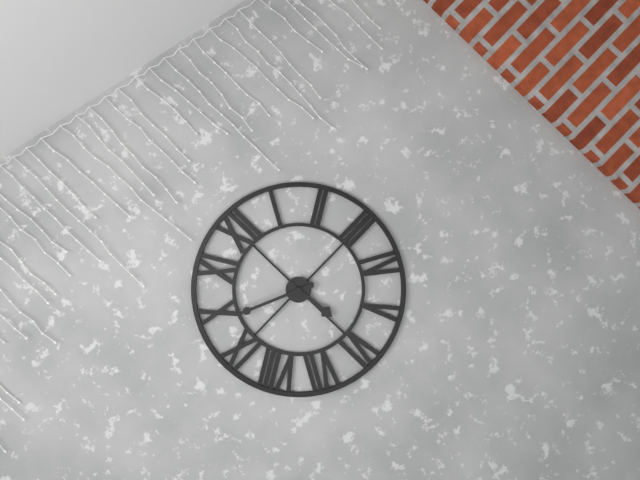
5:49
